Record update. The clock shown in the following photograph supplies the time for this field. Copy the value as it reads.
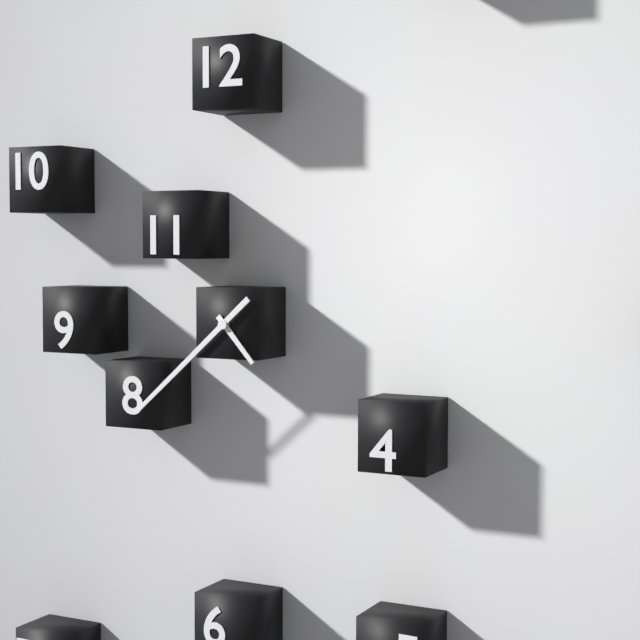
4:38
